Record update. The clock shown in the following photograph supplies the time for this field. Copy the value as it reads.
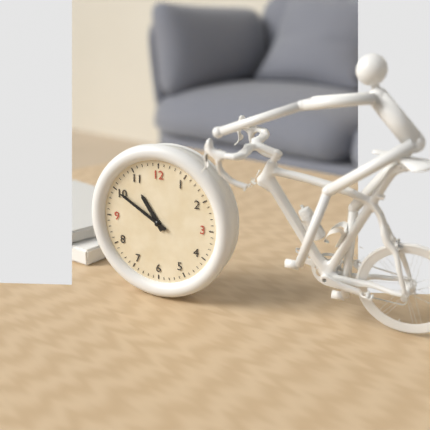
10:50
